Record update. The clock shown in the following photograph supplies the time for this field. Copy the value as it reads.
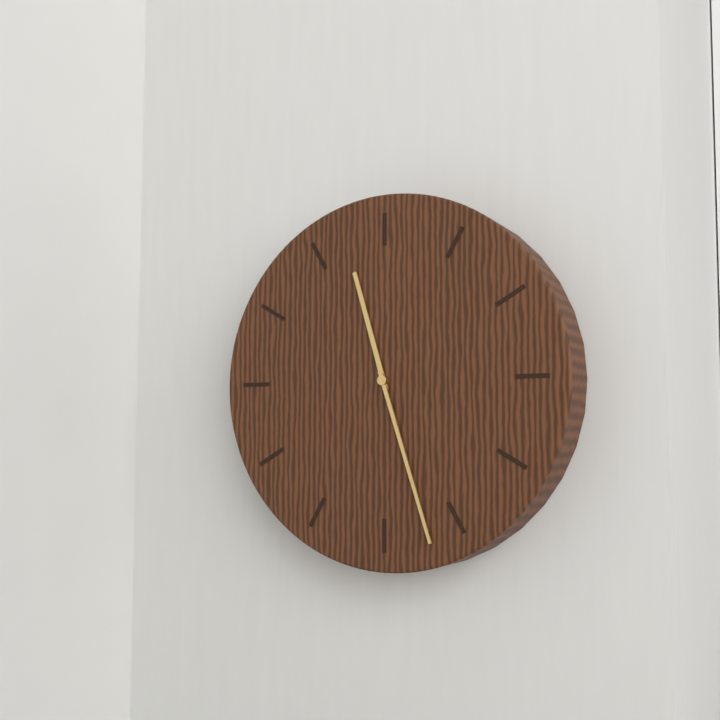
11:27
